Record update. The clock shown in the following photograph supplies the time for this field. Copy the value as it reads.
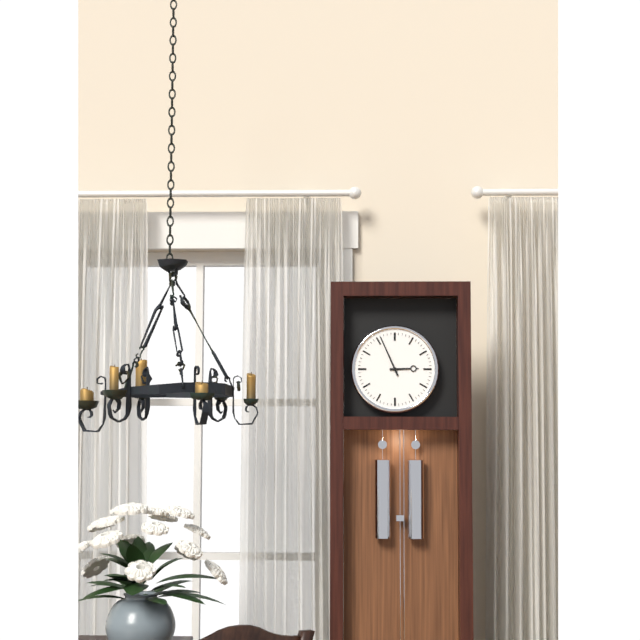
2:56
